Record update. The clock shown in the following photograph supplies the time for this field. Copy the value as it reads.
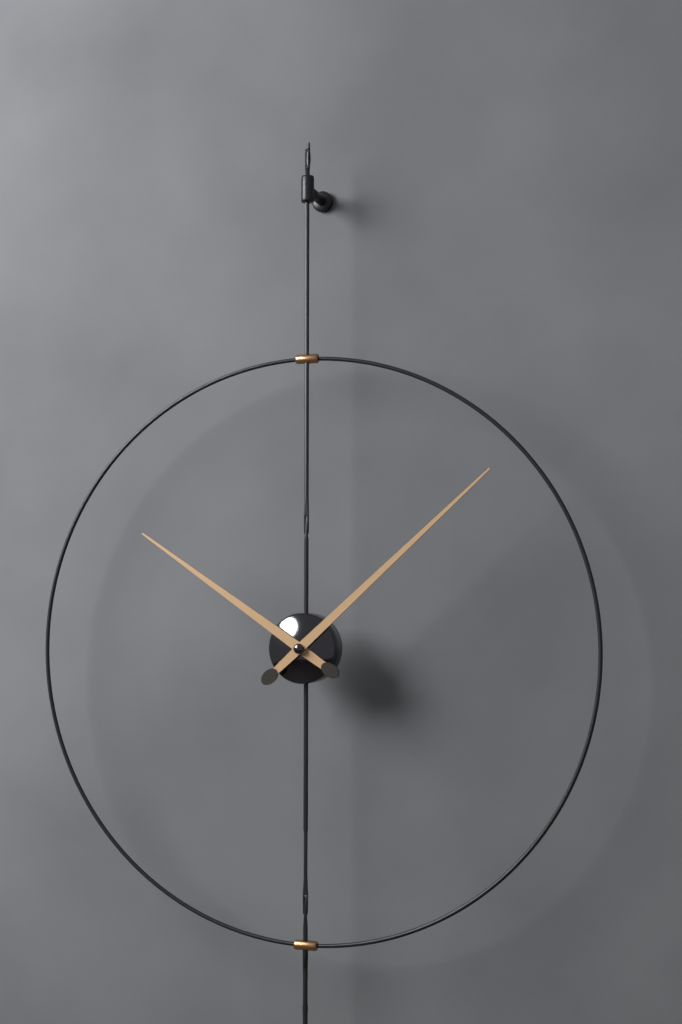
10:08
